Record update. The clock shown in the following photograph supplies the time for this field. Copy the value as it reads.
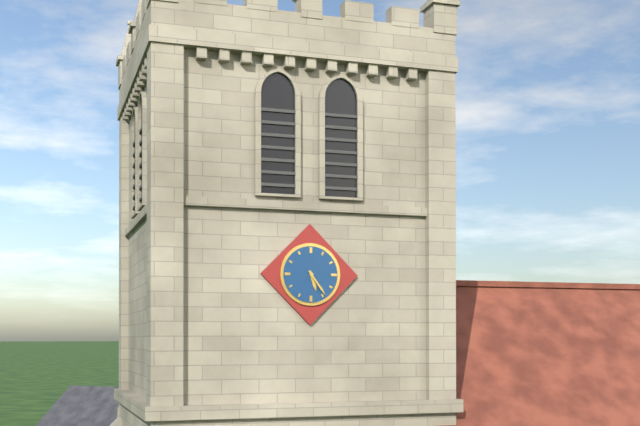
5:24
